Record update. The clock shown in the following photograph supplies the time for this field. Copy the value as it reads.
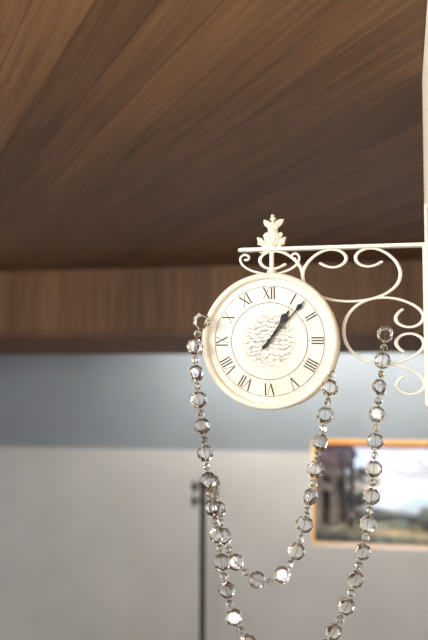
1:07
